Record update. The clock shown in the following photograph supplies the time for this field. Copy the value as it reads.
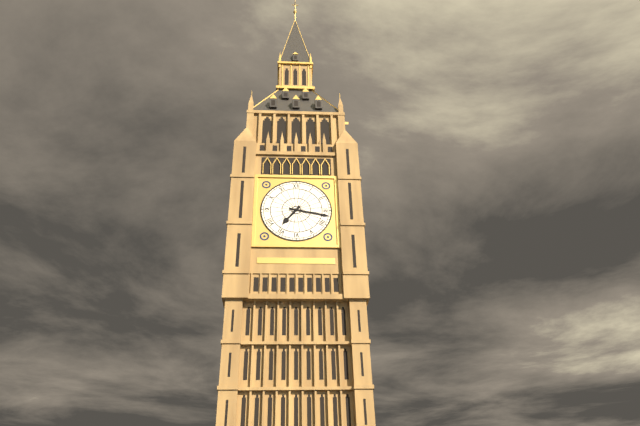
7:17
